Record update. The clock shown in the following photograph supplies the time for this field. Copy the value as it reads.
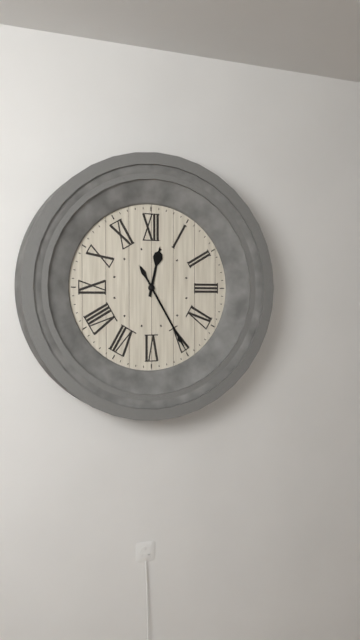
12:25
